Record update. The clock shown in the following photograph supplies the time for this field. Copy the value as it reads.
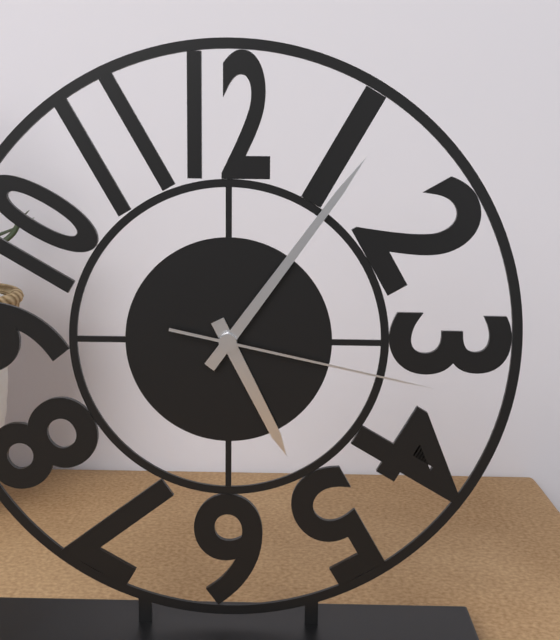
5:06:17
